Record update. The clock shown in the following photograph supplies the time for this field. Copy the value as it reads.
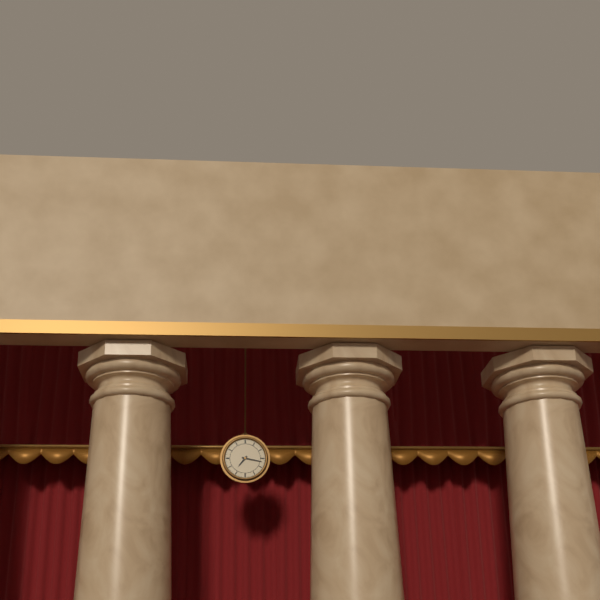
7:17
